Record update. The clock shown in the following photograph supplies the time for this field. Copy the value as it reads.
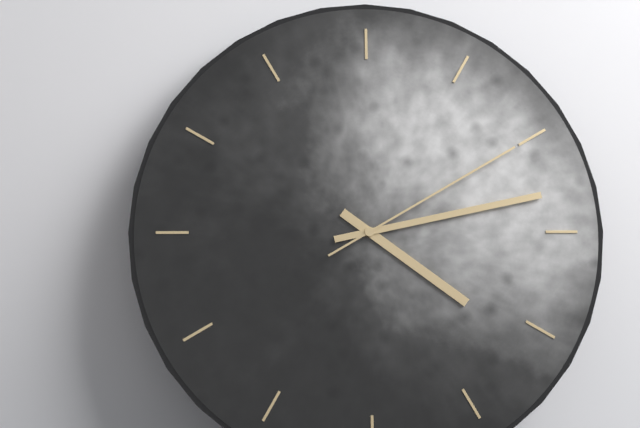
4:13:10
